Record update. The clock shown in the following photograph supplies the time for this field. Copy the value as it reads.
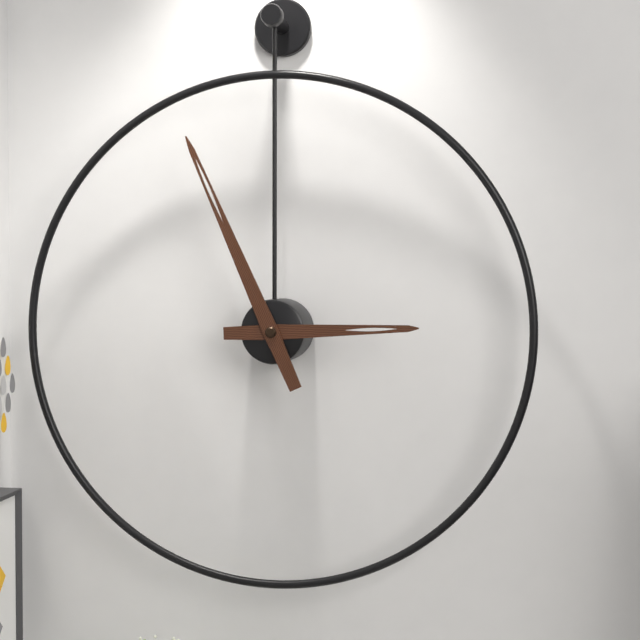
2:56
